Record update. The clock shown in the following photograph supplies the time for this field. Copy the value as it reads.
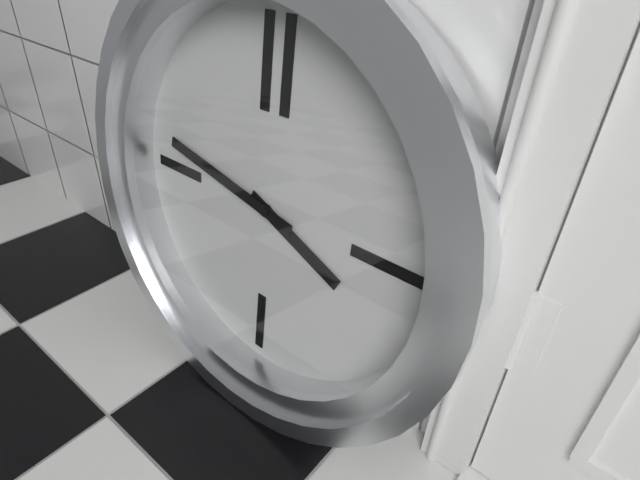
3:47
